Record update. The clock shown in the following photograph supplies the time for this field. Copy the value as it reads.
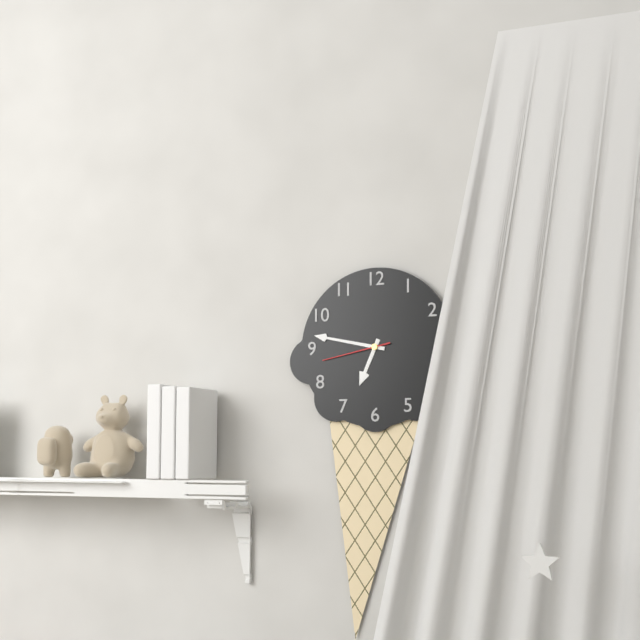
6:47:43
